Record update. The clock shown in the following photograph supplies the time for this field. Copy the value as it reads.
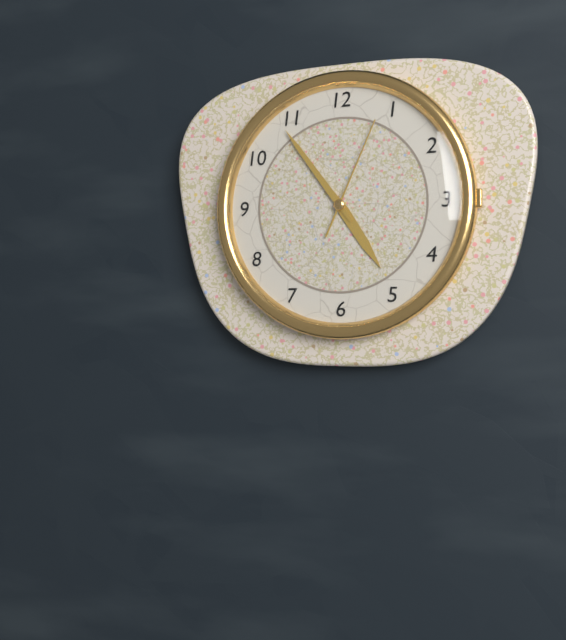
4:54:04
